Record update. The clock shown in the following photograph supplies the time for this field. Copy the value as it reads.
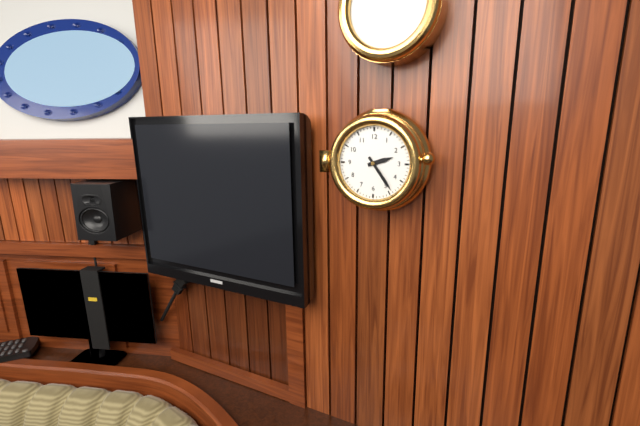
2:24
